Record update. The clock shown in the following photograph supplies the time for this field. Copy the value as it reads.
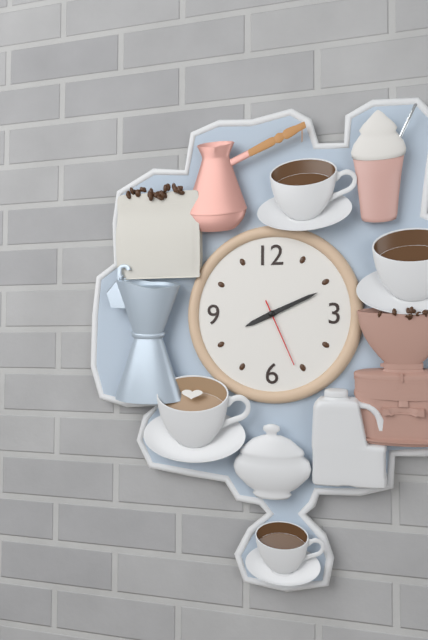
8:11:26
